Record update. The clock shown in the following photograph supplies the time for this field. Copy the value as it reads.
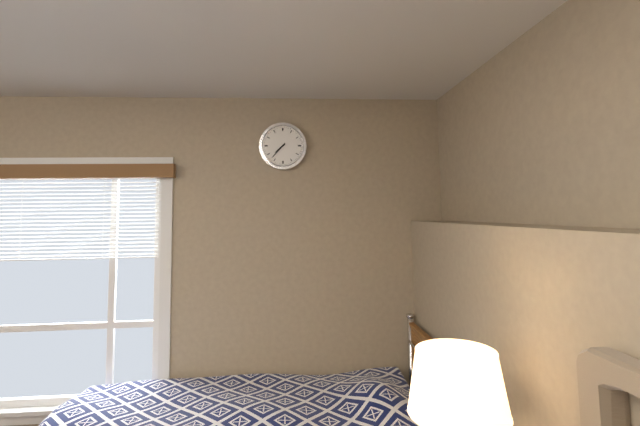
7:37
